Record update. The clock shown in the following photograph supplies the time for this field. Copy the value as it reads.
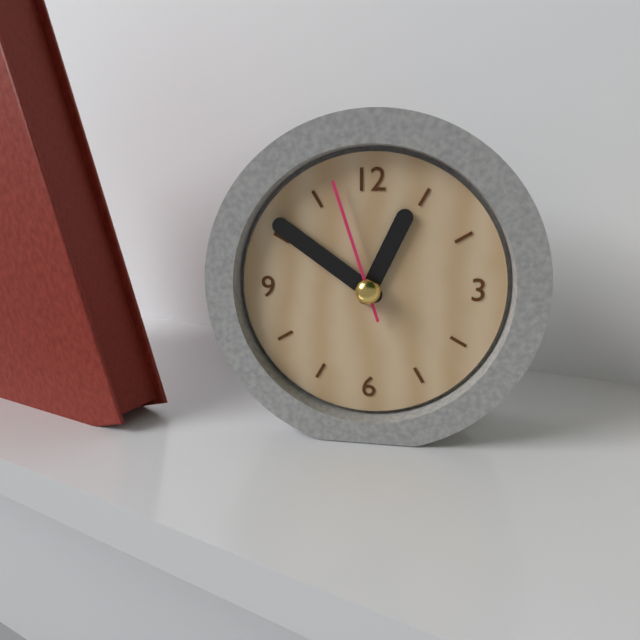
12:51:57
